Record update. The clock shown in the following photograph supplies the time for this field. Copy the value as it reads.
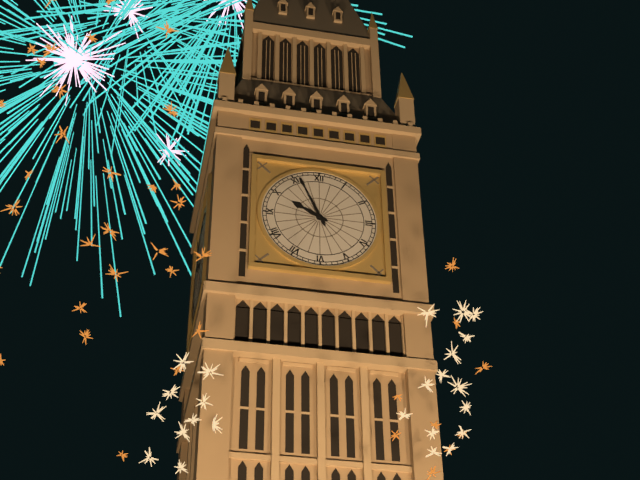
9:56
